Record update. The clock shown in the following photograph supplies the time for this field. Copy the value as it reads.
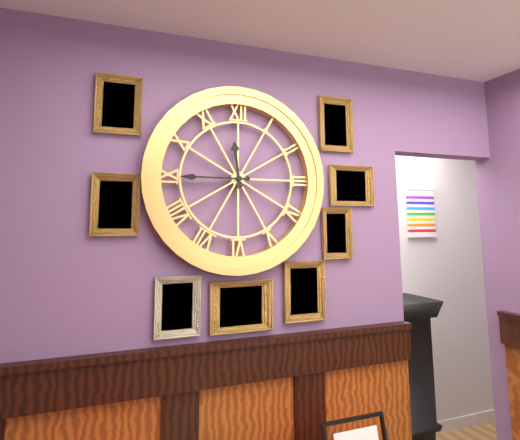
11:45
